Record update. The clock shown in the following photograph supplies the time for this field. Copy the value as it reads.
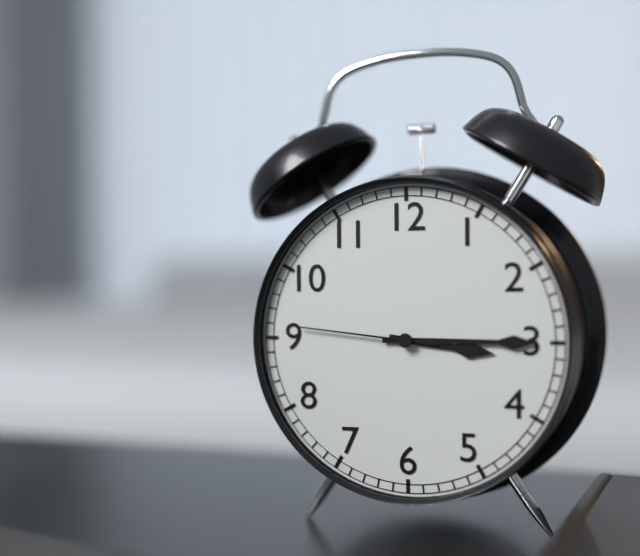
3:15:46
